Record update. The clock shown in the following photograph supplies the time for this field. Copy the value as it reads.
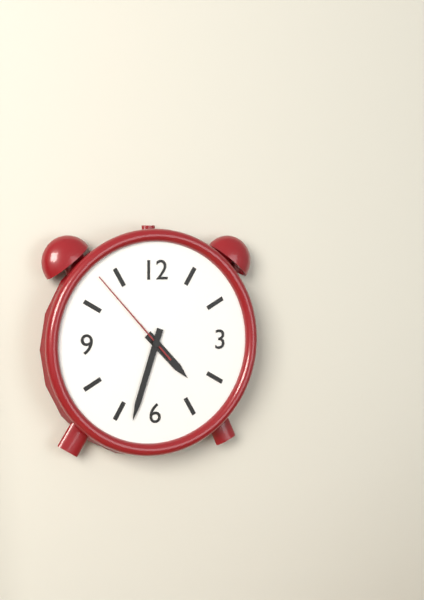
4:33:53
